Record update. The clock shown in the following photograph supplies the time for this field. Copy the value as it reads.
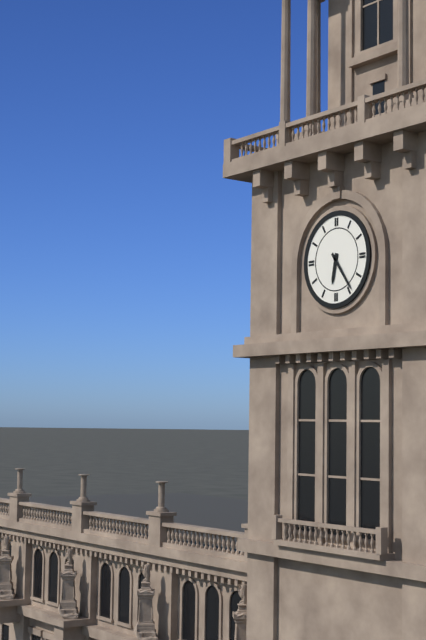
6:24
